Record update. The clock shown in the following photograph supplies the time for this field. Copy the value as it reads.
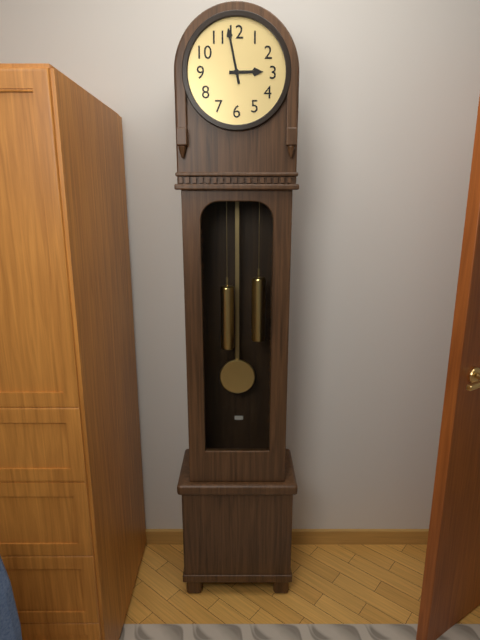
2:58
